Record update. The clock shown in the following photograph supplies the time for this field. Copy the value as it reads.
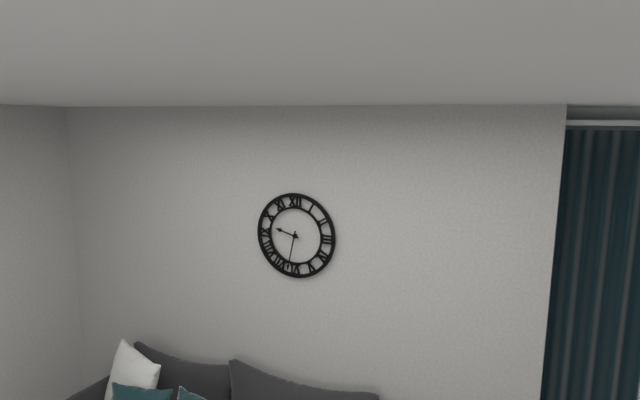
9:32
